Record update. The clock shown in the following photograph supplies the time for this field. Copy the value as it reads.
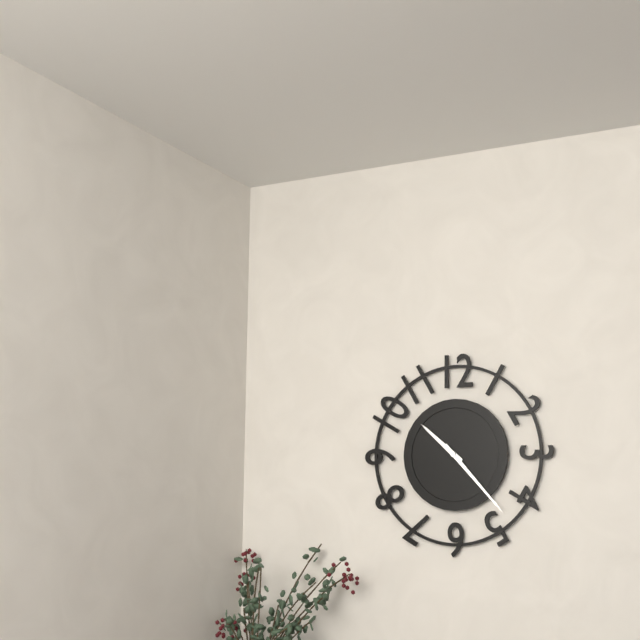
10:23
